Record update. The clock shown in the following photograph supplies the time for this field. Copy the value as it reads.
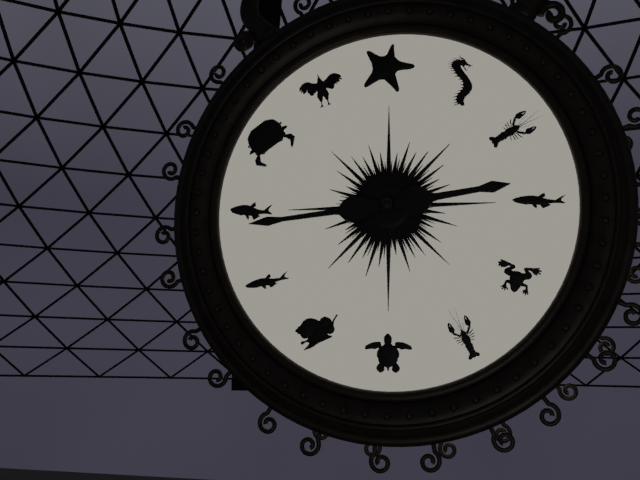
2:44
